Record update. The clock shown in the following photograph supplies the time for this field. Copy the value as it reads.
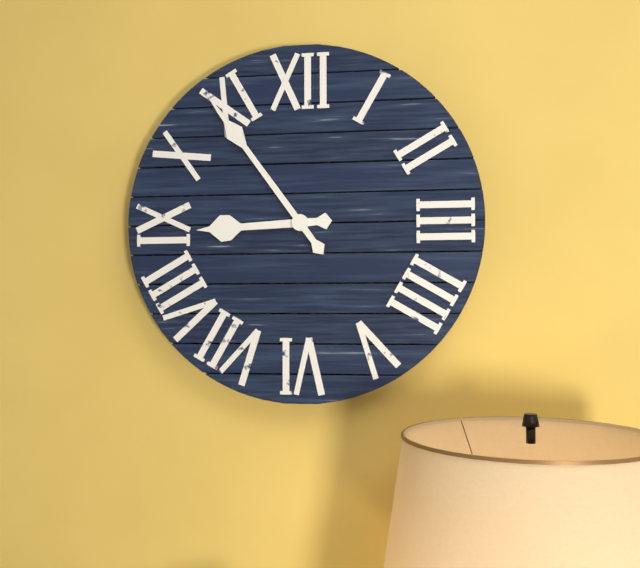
8:54
